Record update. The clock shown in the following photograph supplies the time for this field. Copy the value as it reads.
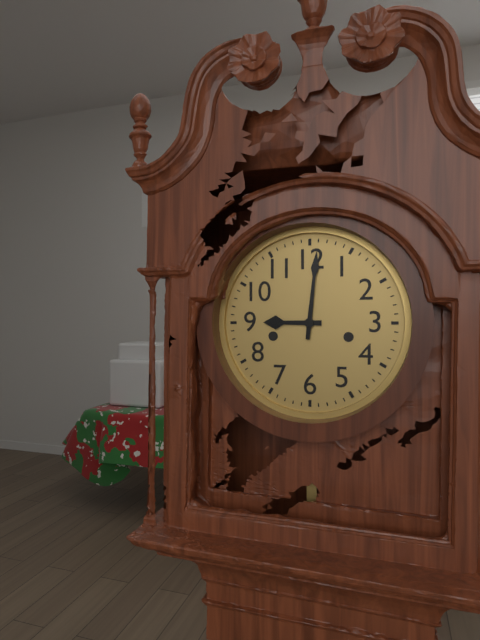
9:01
